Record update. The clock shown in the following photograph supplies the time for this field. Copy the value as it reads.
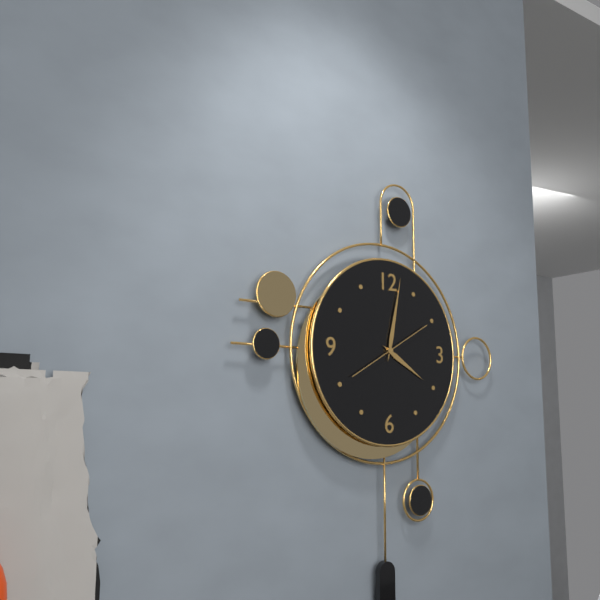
4:02:10
